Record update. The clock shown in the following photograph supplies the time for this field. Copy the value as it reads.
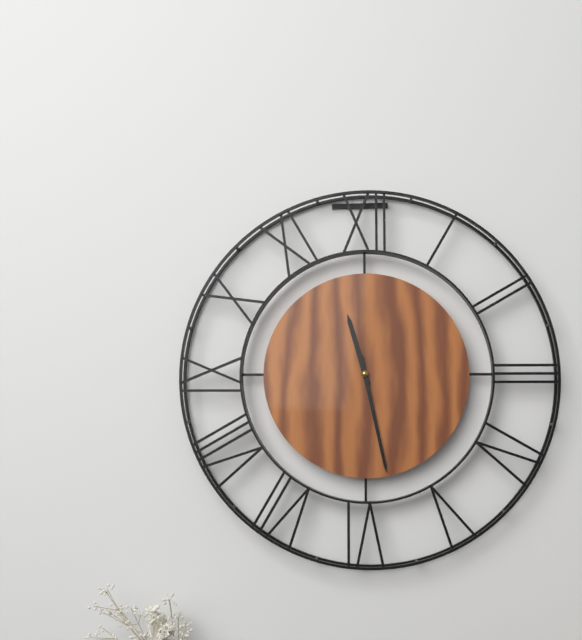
11:28
